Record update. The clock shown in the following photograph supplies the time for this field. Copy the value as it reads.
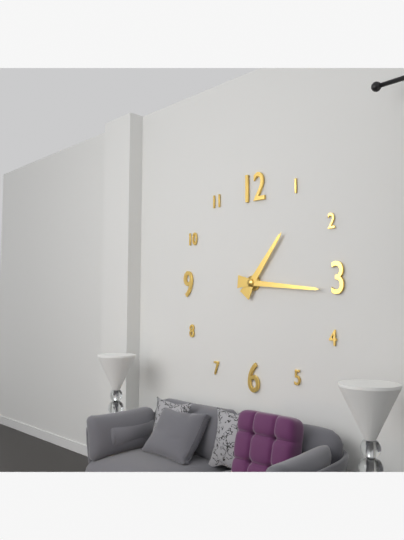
1:16
